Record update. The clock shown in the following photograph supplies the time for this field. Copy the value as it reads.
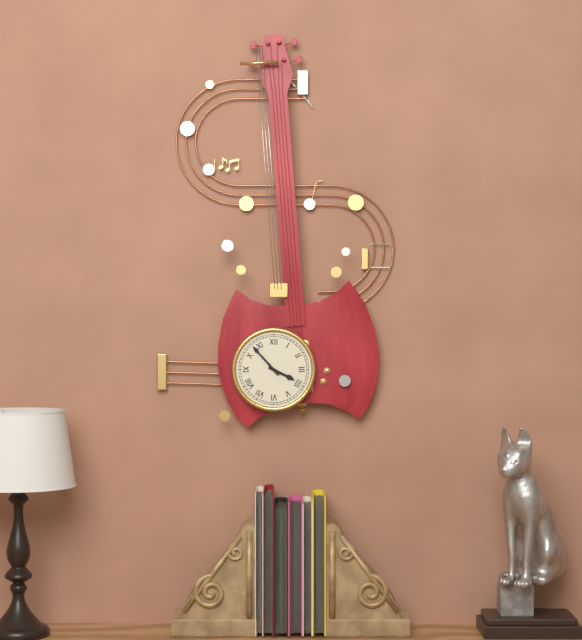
3:53
